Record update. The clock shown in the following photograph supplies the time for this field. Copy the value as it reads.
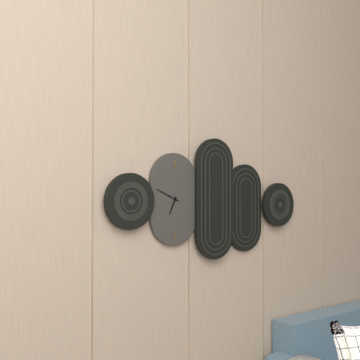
6:49
